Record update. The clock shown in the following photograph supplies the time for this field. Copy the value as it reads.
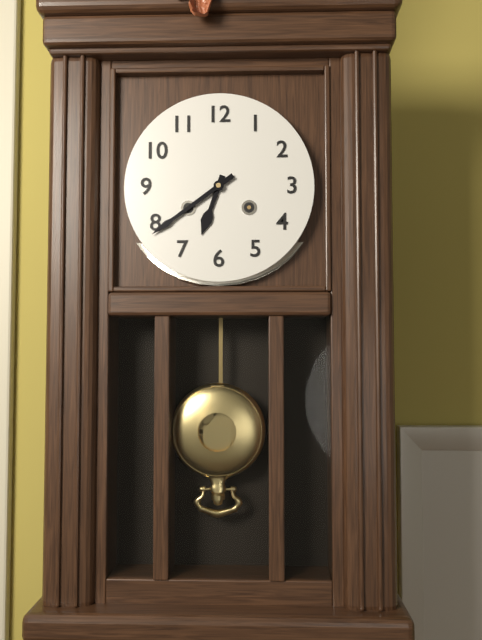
6:39
